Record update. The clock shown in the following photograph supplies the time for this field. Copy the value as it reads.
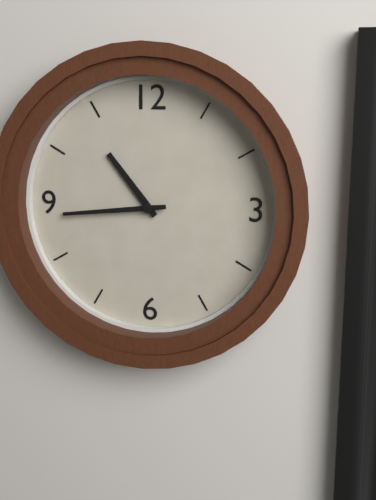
10:44
